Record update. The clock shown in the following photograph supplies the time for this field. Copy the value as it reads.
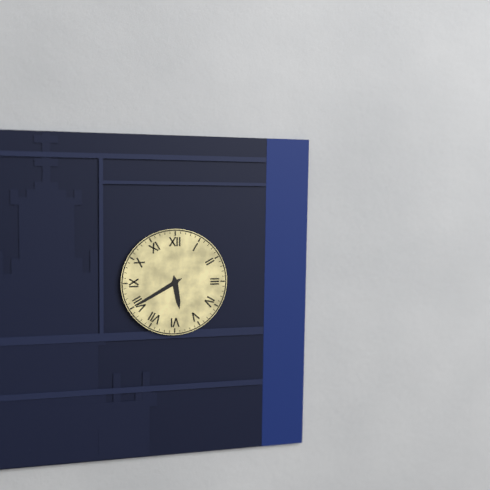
5:40
